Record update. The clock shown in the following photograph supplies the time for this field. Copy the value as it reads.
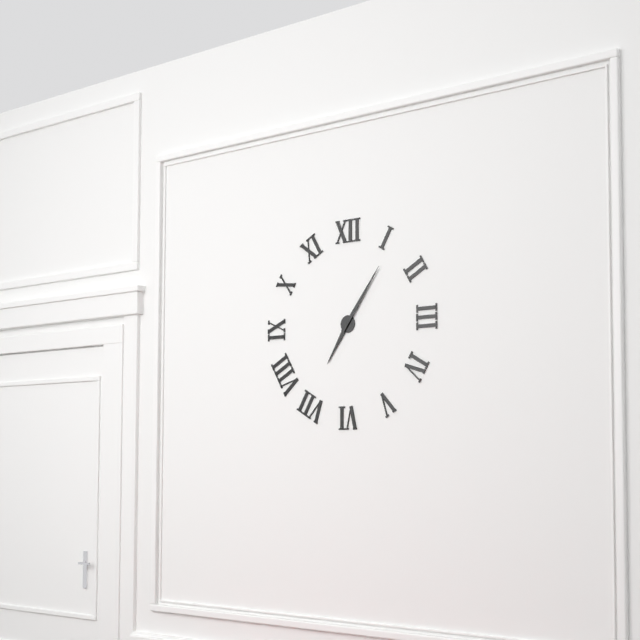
7:06
